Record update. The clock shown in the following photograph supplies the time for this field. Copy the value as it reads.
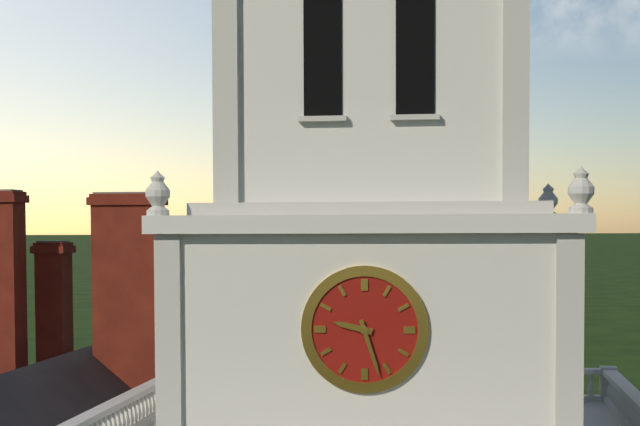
9:27
